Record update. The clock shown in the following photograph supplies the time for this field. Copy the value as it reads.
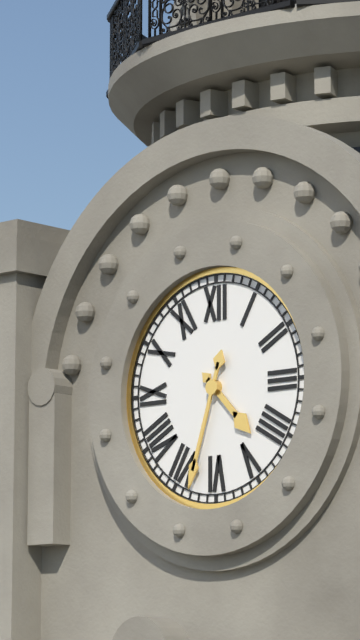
4:33
